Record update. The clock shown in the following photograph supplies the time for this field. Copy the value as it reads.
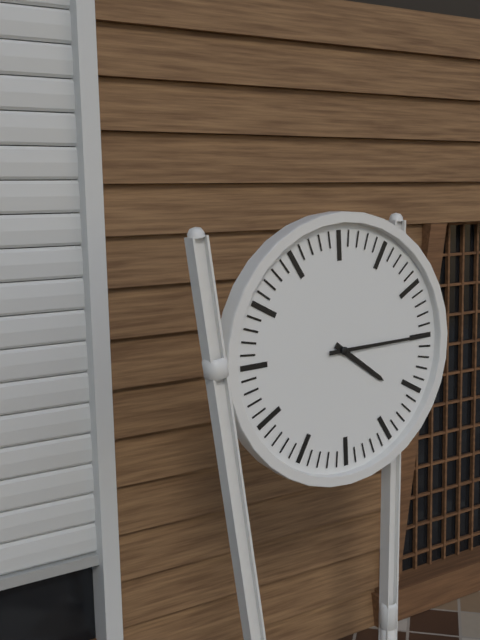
4:15
